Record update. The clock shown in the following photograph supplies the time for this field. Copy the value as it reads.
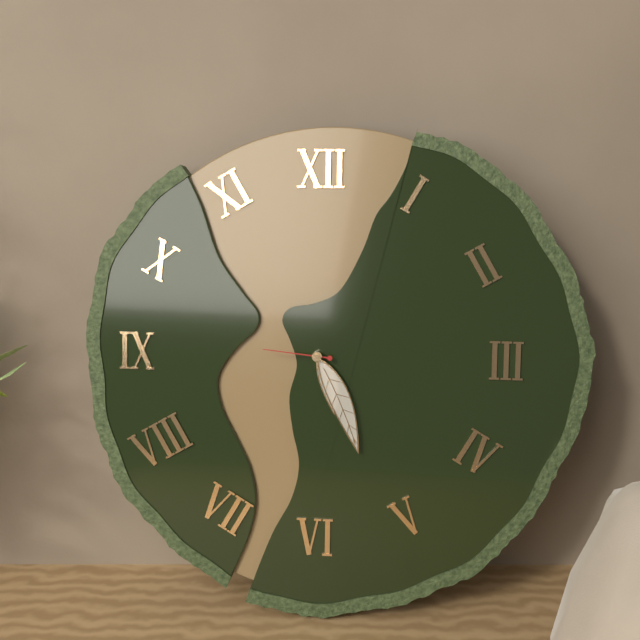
5:26:46
